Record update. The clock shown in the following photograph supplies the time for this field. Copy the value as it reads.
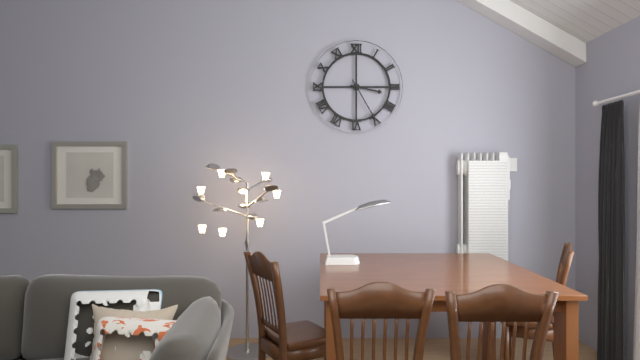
3:25
